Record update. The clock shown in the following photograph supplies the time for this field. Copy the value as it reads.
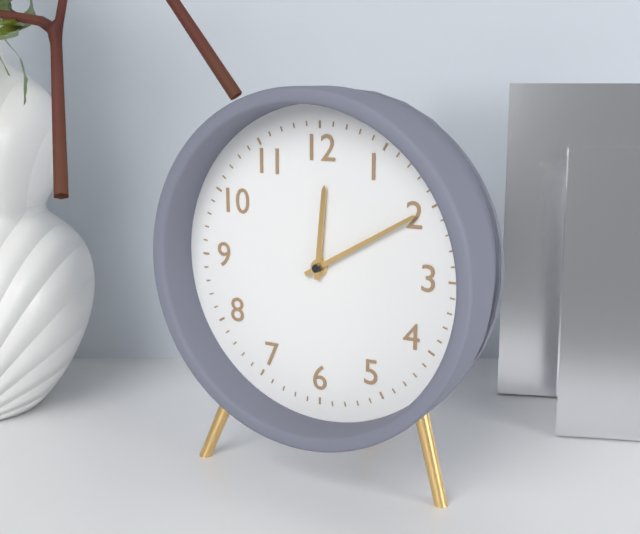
12:10
